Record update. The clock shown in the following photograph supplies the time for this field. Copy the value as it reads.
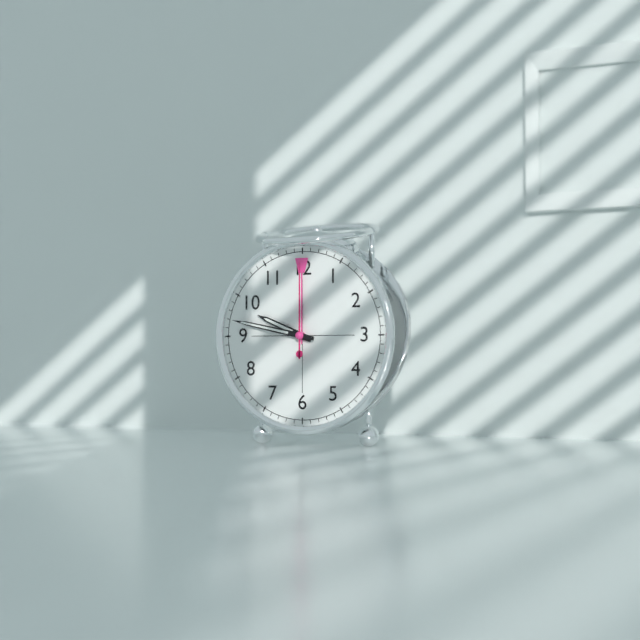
9:47:00
